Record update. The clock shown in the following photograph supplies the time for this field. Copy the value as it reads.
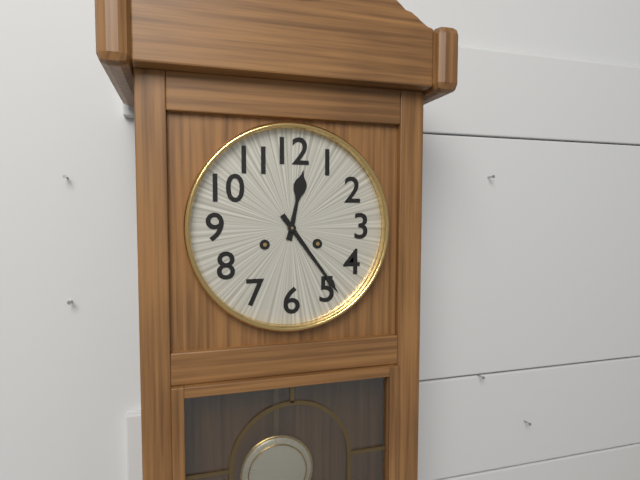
12:24
